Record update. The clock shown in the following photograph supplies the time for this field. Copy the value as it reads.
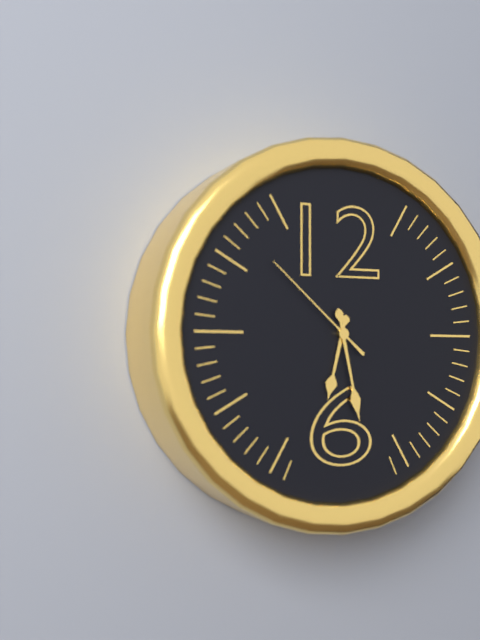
6:28:52
